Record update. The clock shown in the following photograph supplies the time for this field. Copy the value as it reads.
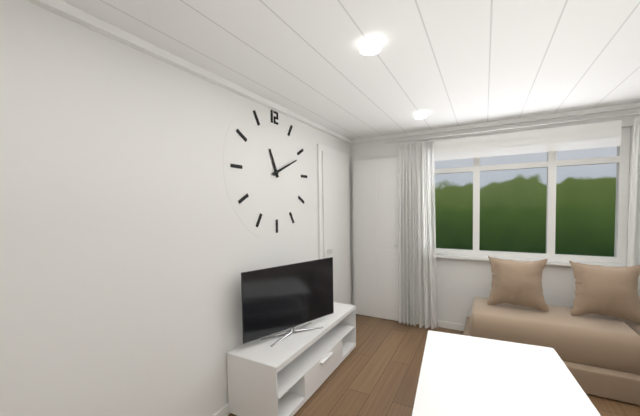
11:11
